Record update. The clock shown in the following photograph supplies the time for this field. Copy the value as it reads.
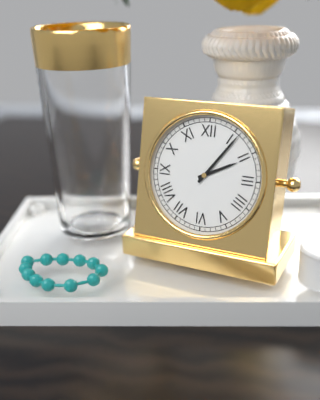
2:06
